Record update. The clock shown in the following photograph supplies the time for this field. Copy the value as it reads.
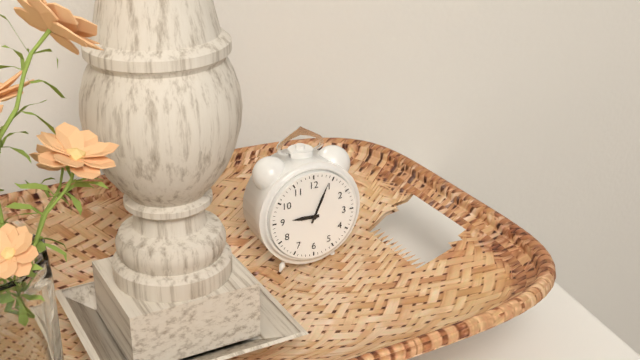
9:04
